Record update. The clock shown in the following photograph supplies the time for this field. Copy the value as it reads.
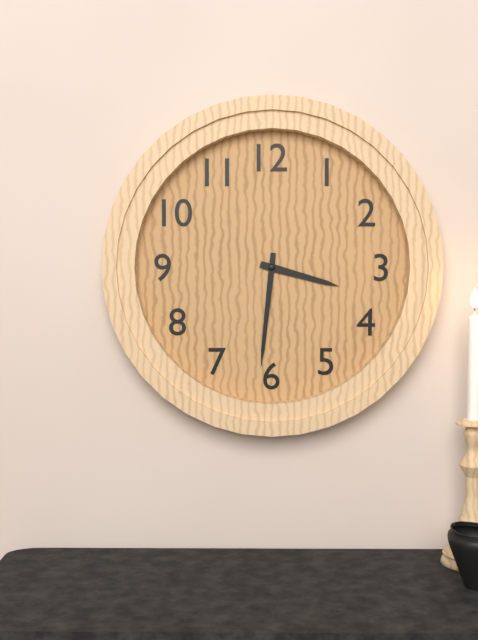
3:31
